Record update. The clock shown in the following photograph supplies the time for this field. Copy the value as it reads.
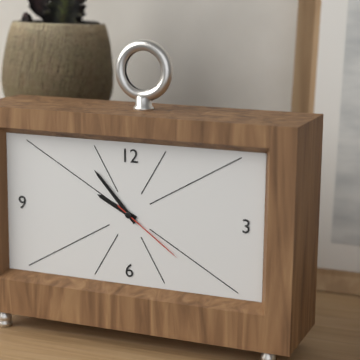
9:53:21
